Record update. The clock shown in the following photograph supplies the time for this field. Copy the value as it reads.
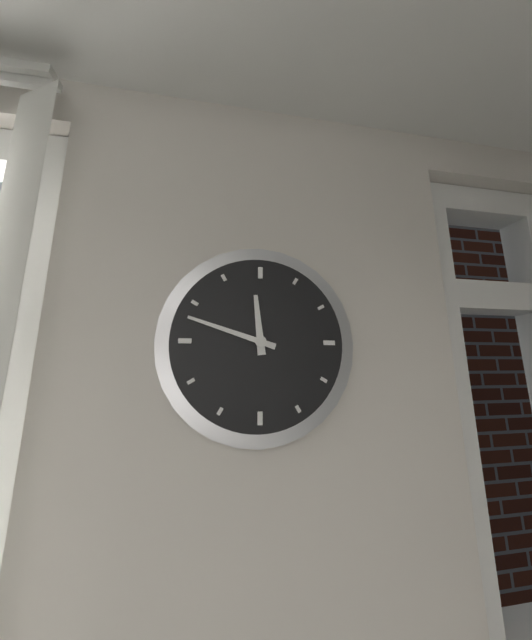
11:48
